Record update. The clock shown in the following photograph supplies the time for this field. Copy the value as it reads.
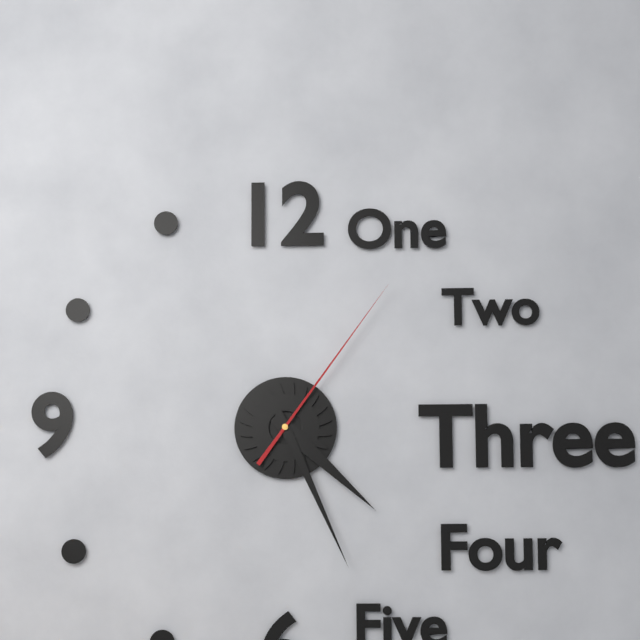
4:26:06
